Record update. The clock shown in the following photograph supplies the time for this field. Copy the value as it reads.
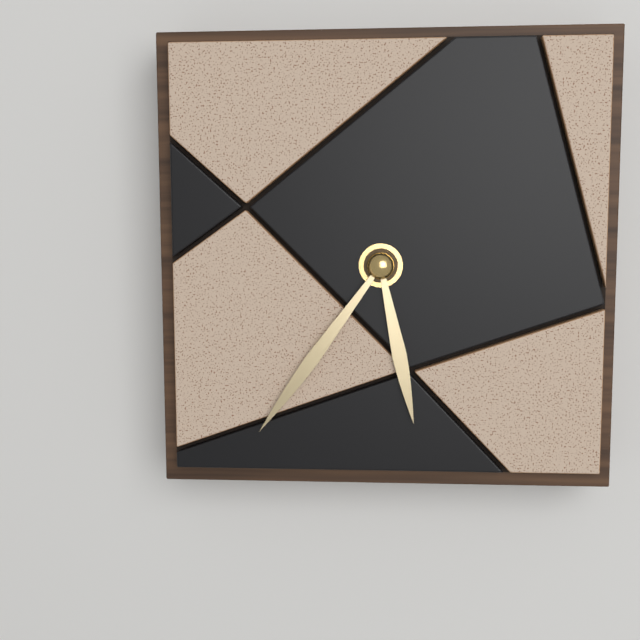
5:36
